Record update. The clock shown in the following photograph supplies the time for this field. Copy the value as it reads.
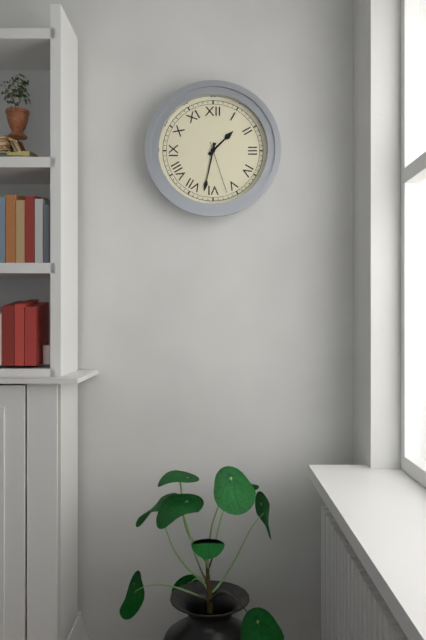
1:32:27
